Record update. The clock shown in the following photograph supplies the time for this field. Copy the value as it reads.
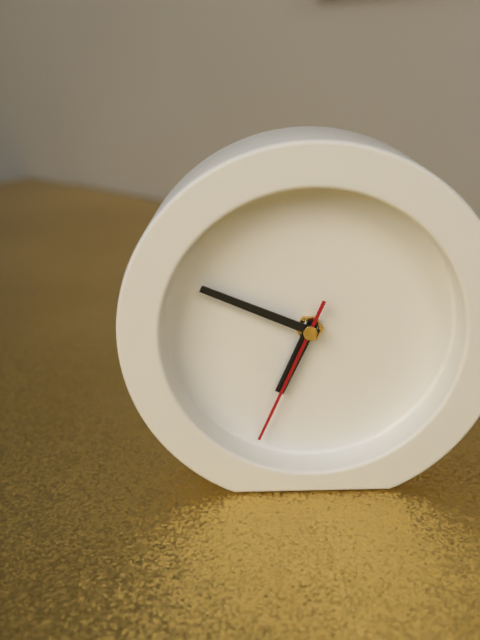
6:49:34
